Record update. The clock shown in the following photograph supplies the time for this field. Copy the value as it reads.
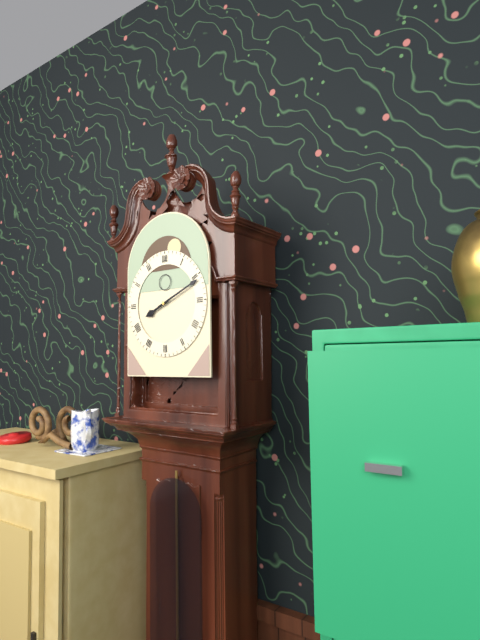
8:11
